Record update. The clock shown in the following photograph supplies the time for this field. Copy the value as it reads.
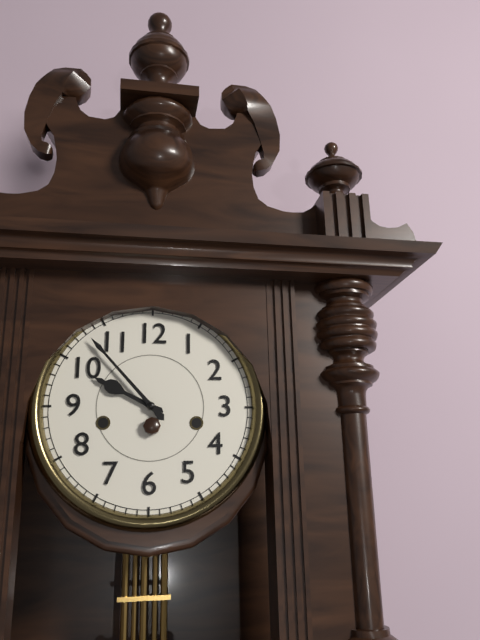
9:53
